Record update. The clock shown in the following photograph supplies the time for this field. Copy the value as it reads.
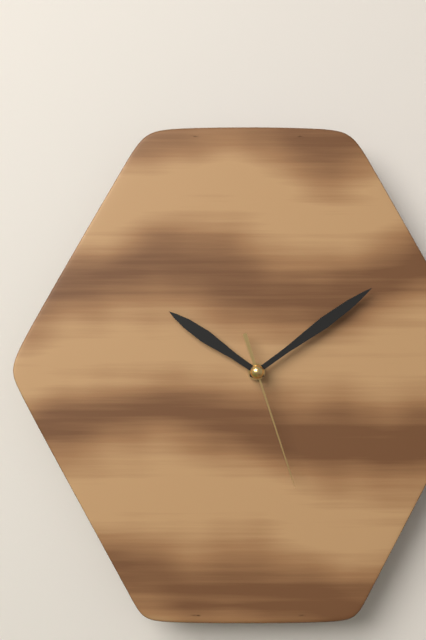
10:09:27
